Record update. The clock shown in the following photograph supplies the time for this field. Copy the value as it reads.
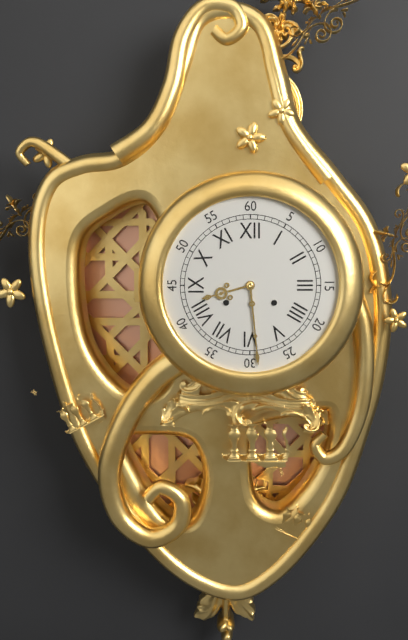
8:29
